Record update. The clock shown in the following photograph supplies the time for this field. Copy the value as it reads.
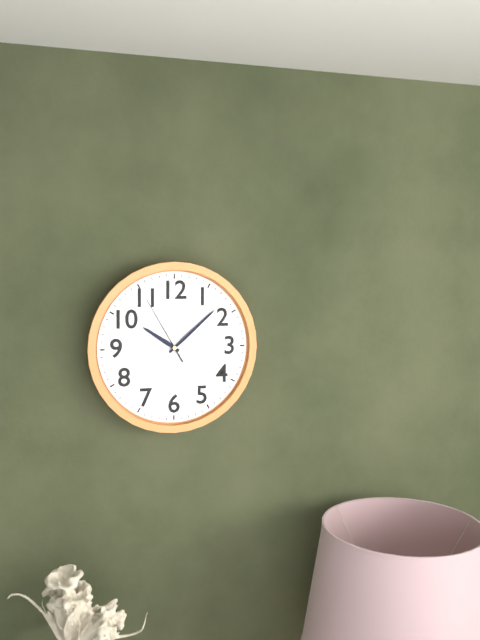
10:08:55
